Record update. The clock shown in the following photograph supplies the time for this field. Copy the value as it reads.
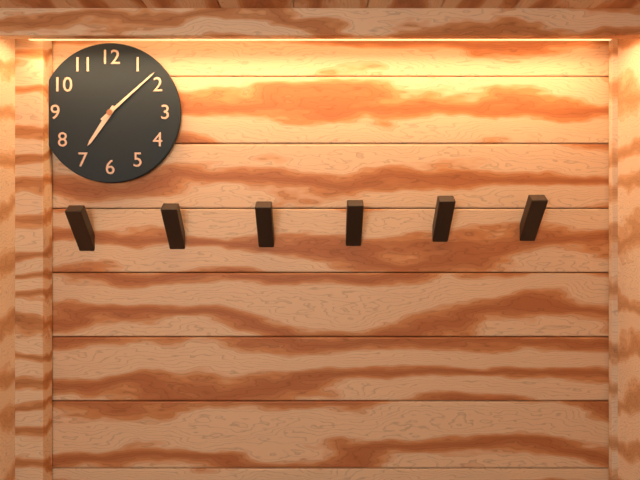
7:08
